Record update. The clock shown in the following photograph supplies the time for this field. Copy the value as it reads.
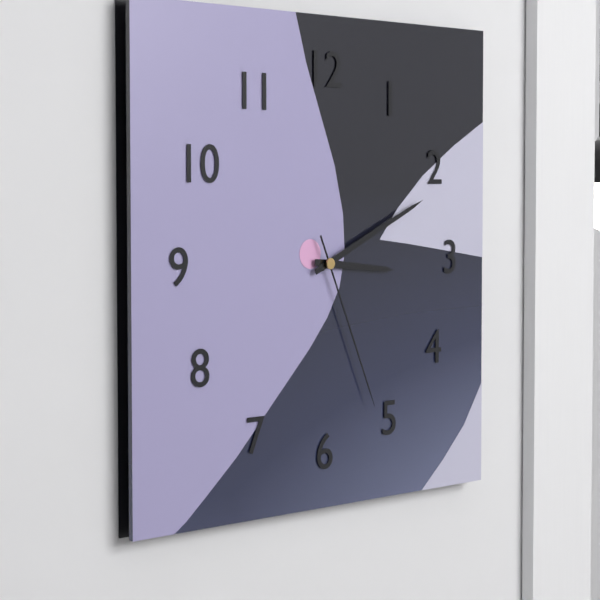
3:11:26
